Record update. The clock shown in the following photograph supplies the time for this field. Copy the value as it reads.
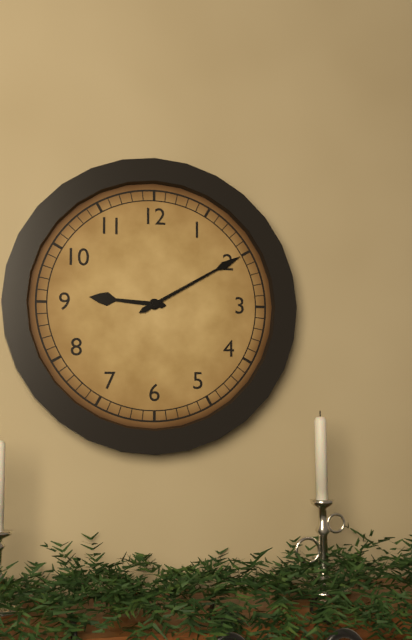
9:10
